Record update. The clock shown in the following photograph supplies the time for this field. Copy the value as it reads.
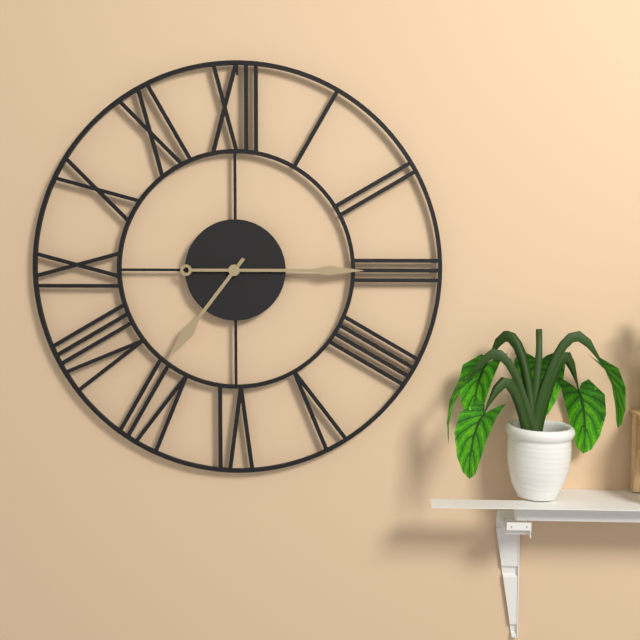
7:15
